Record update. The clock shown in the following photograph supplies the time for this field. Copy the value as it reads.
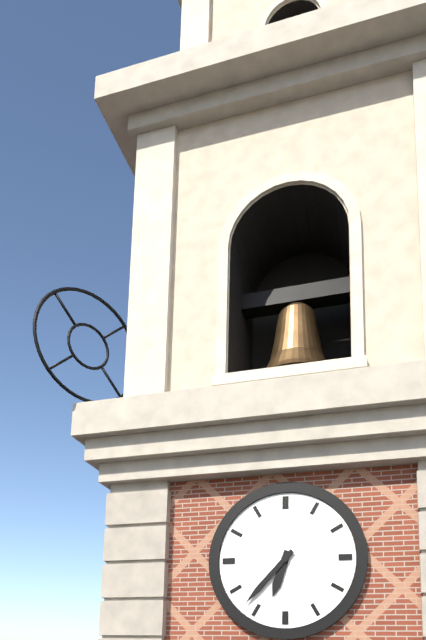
6:37
